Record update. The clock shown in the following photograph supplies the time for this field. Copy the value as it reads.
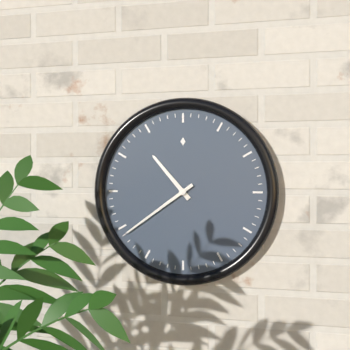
10:39
